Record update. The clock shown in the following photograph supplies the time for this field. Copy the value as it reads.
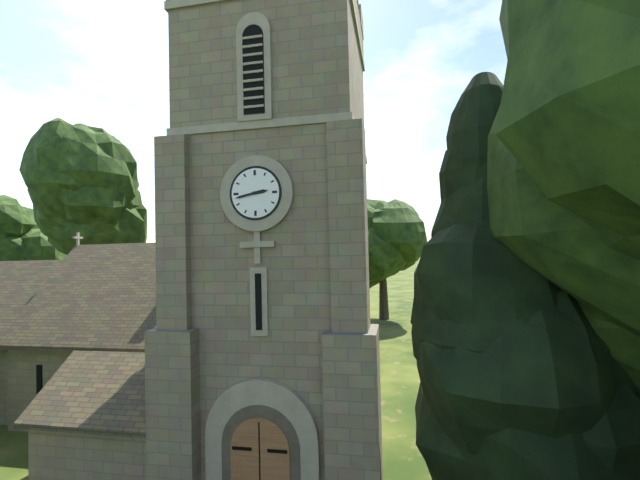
2:43
